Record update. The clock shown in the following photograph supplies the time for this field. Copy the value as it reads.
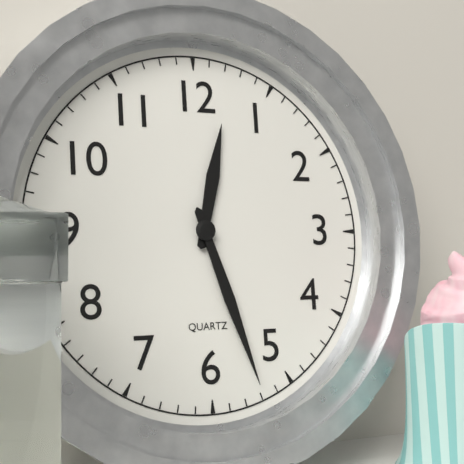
12:27
